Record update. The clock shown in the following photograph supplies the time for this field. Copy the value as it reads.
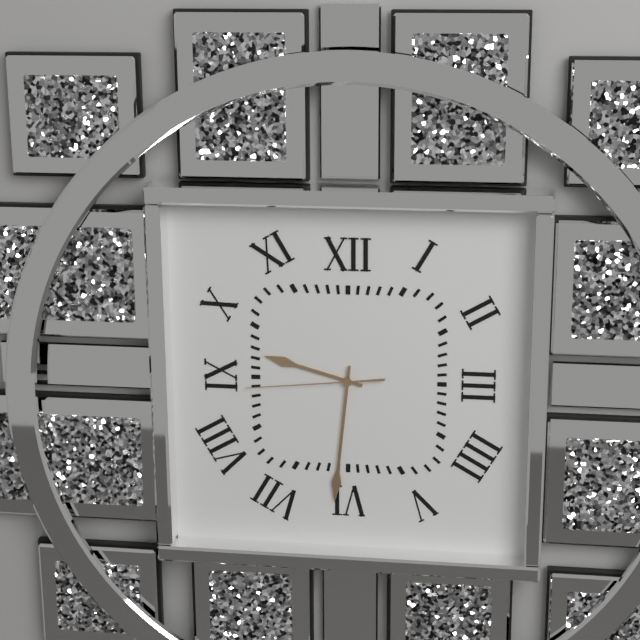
9:31:44
